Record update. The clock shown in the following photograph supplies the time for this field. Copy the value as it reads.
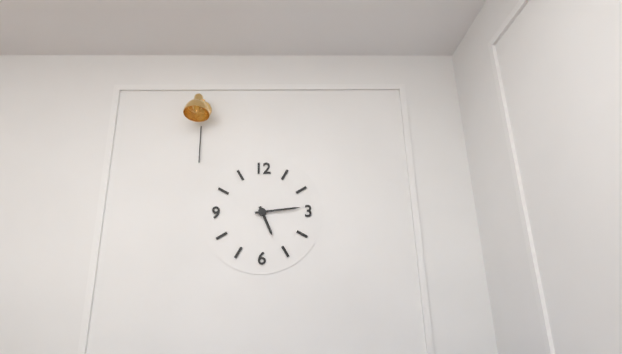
5:14
